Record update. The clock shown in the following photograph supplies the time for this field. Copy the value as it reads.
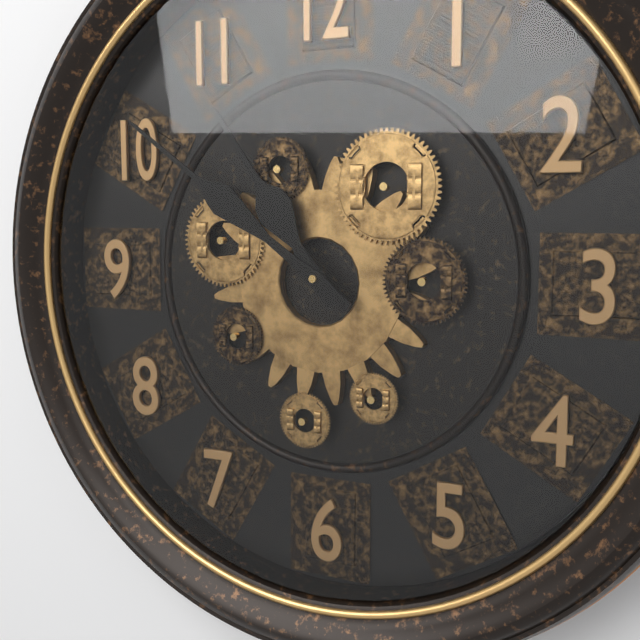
10:51
